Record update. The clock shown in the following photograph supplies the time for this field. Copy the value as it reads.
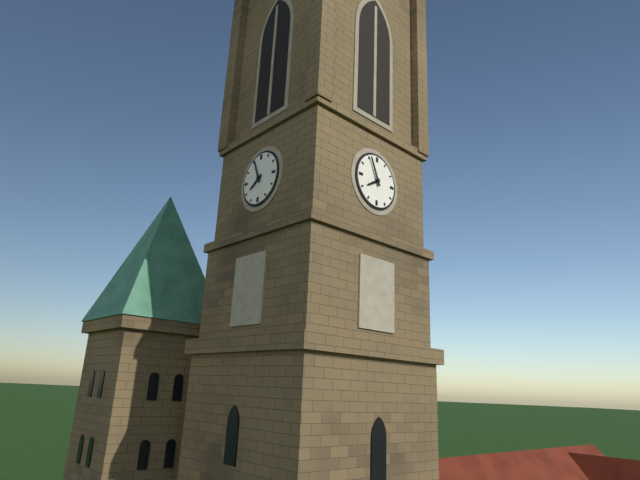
7:56
